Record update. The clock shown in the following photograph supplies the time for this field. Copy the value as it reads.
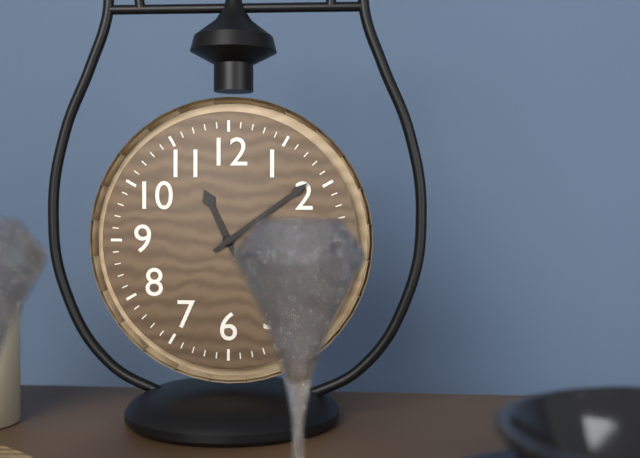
11:09
